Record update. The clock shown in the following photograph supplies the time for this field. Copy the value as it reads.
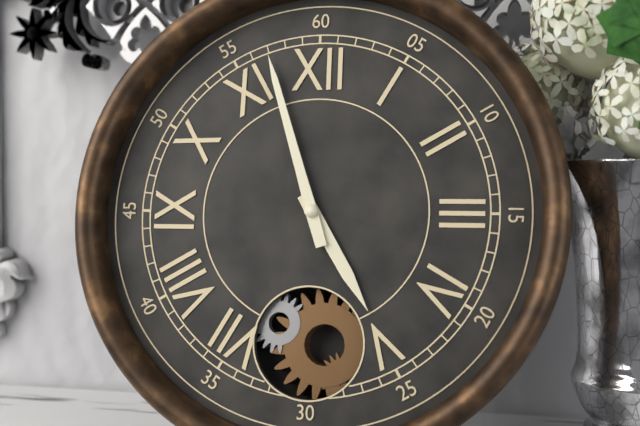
4:57
